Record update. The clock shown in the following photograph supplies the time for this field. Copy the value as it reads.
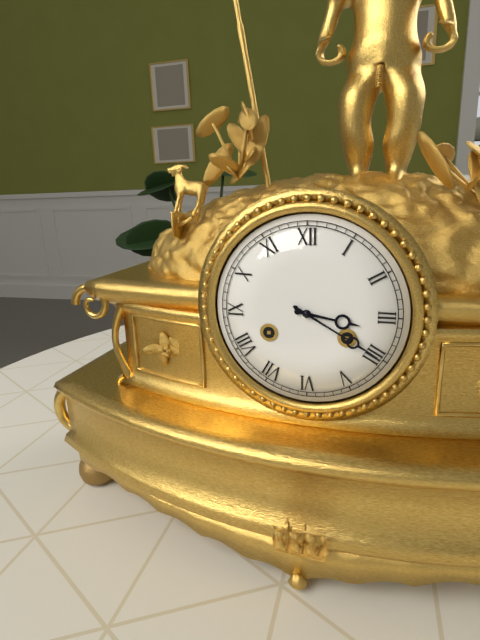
3:20
